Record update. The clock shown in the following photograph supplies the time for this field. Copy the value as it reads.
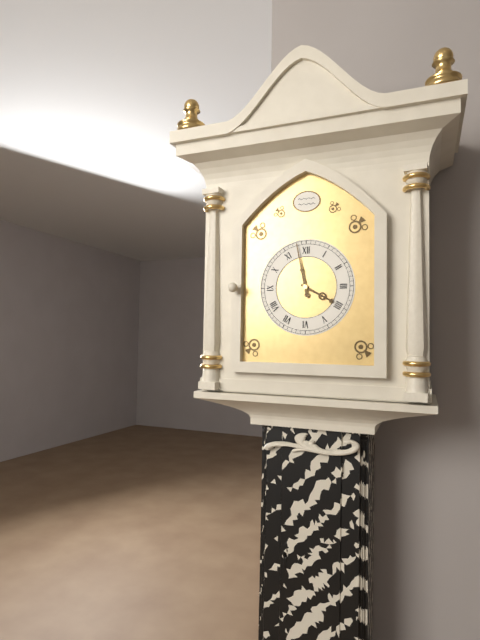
3:58
